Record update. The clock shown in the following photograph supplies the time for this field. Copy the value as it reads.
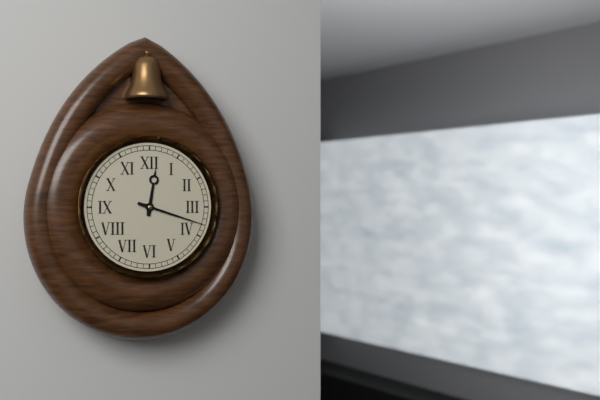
12:18
